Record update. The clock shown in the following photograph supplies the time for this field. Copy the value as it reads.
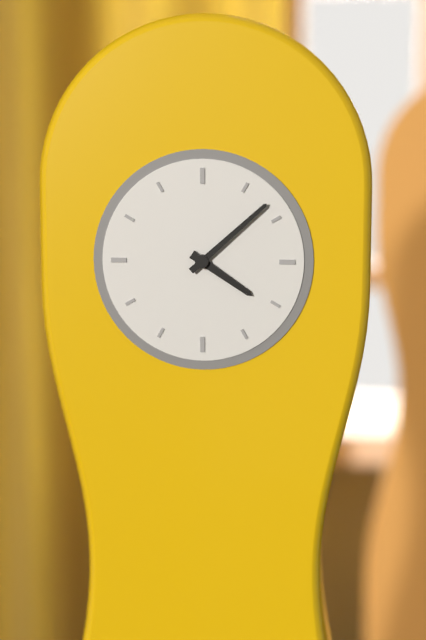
4:08
